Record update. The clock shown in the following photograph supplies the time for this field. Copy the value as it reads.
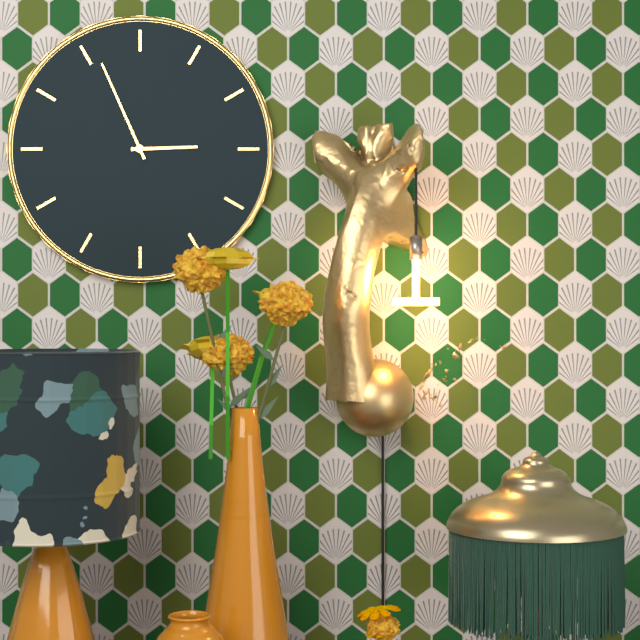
2:56
